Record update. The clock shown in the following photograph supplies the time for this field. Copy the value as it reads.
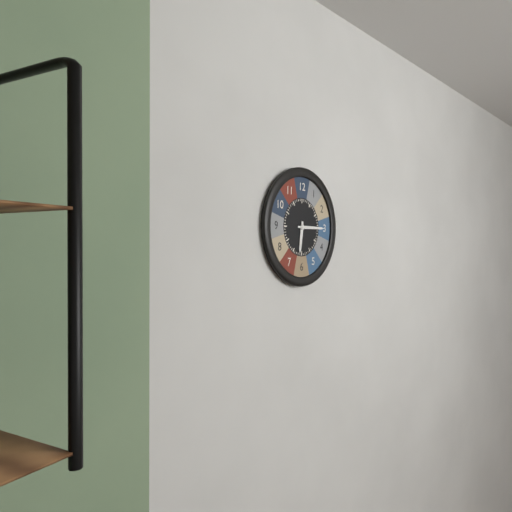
6:15
